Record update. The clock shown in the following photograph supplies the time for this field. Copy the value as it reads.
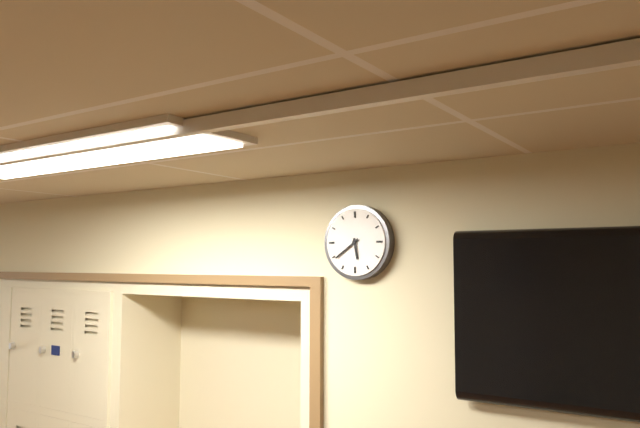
5:39
